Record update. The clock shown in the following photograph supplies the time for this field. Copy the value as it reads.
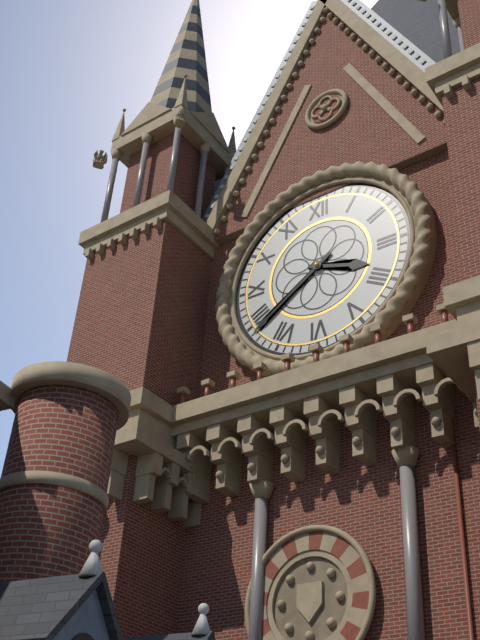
3:39
